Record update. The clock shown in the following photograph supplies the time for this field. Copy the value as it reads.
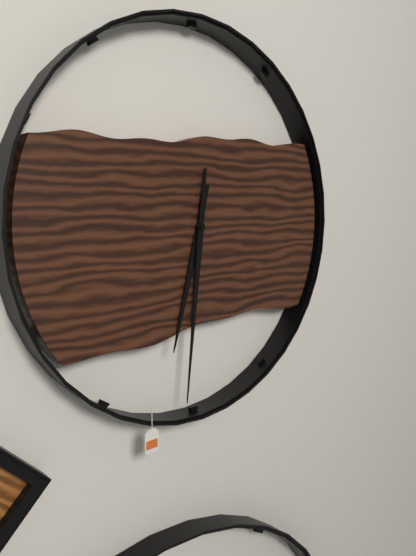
6:31
